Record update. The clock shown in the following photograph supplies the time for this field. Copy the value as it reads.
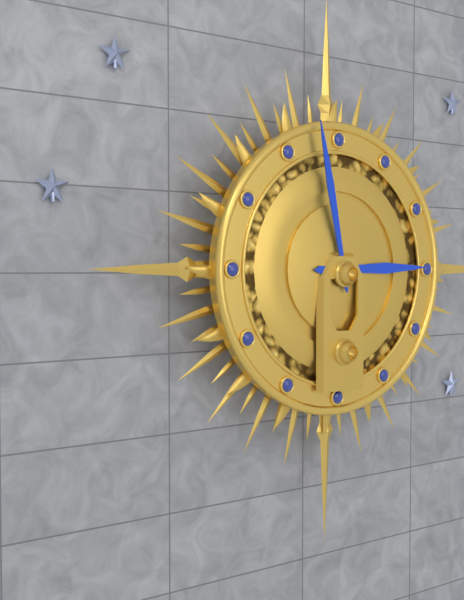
2:58
